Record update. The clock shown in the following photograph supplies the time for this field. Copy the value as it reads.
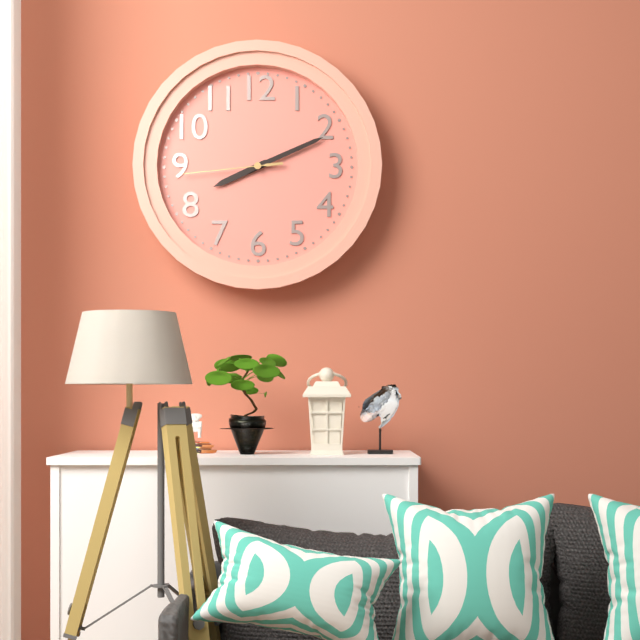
8:11:44
